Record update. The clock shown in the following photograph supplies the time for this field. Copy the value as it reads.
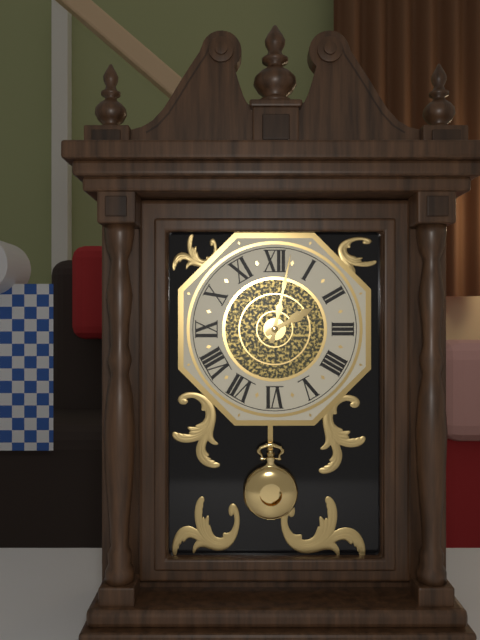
2:02
